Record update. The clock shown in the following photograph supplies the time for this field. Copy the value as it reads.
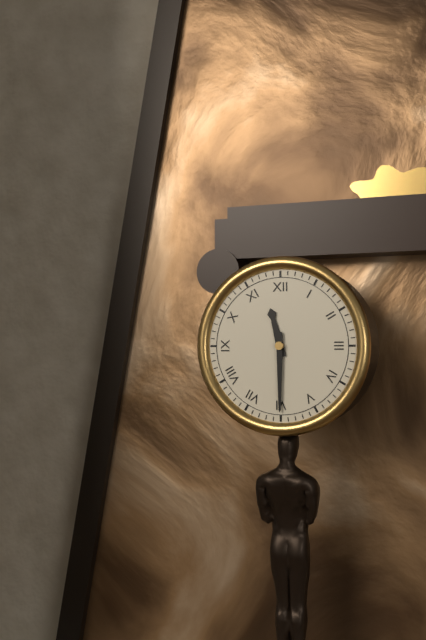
11:30
